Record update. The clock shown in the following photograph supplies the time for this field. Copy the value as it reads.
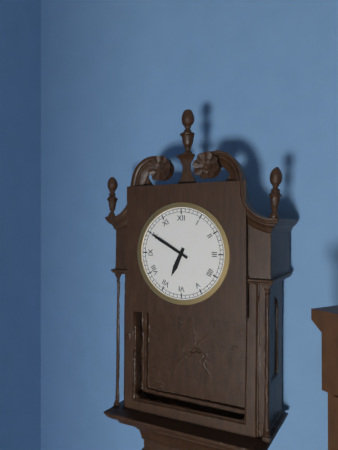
6:50
